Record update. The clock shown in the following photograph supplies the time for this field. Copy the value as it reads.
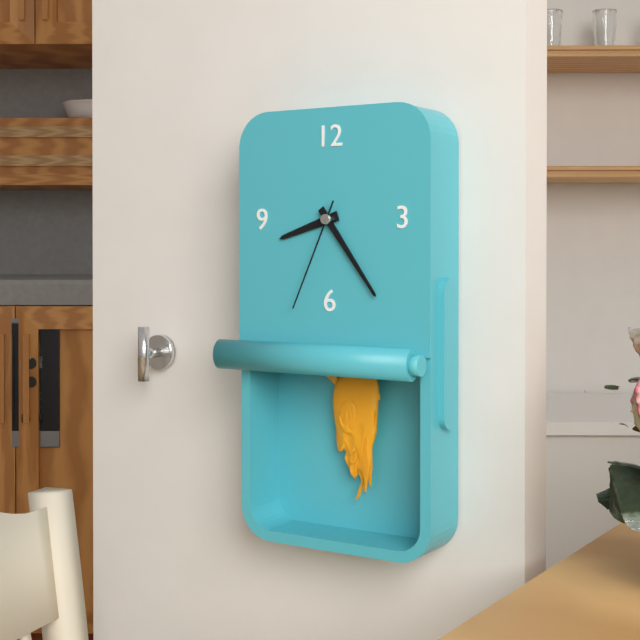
8:24:34
